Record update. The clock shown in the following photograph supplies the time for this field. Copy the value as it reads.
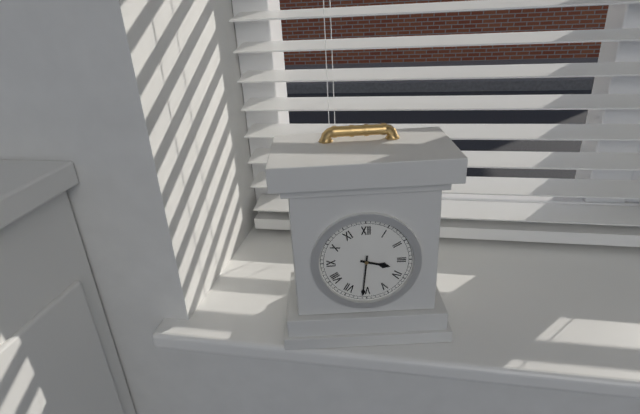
3:31
